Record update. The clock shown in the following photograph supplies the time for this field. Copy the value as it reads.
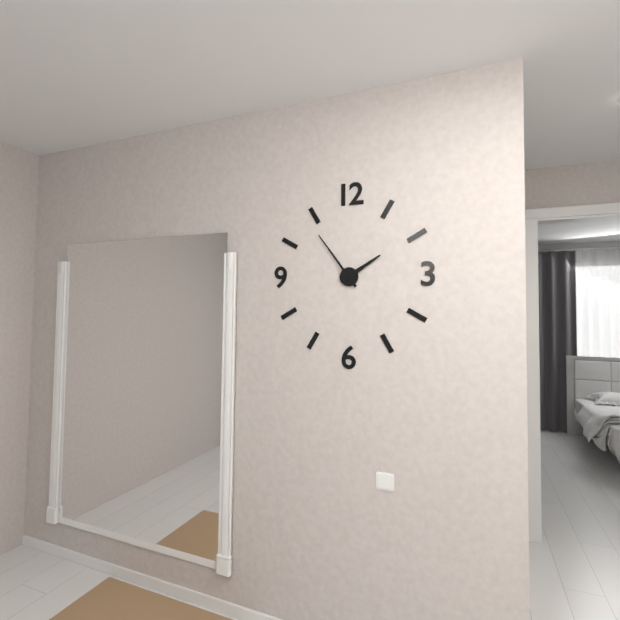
1:54
